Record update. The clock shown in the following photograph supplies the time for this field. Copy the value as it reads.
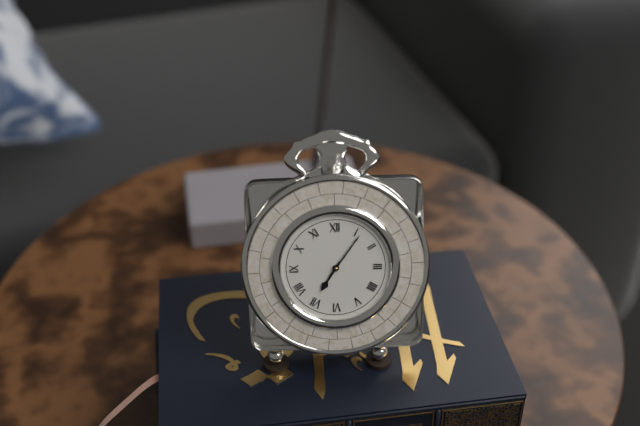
7:06
